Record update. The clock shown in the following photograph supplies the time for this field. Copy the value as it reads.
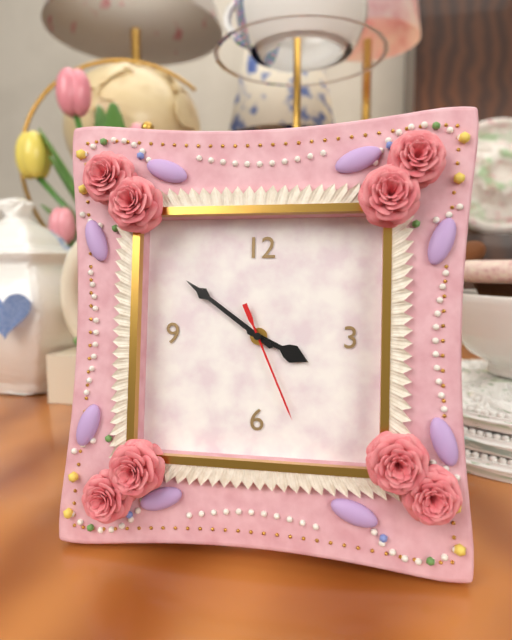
3:51:26
